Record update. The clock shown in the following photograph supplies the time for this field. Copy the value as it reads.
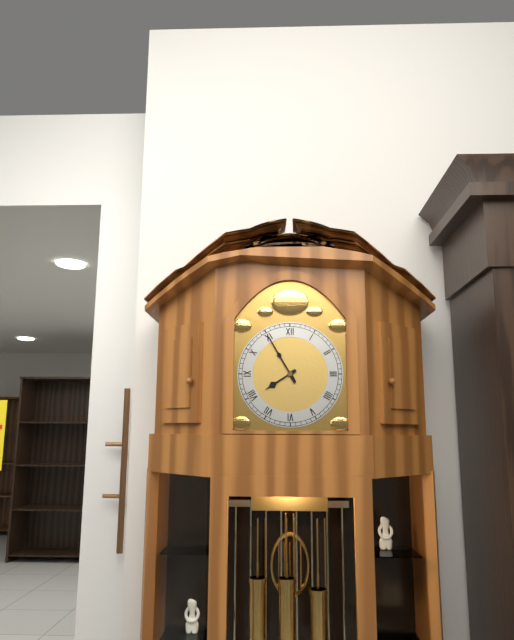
7:55
